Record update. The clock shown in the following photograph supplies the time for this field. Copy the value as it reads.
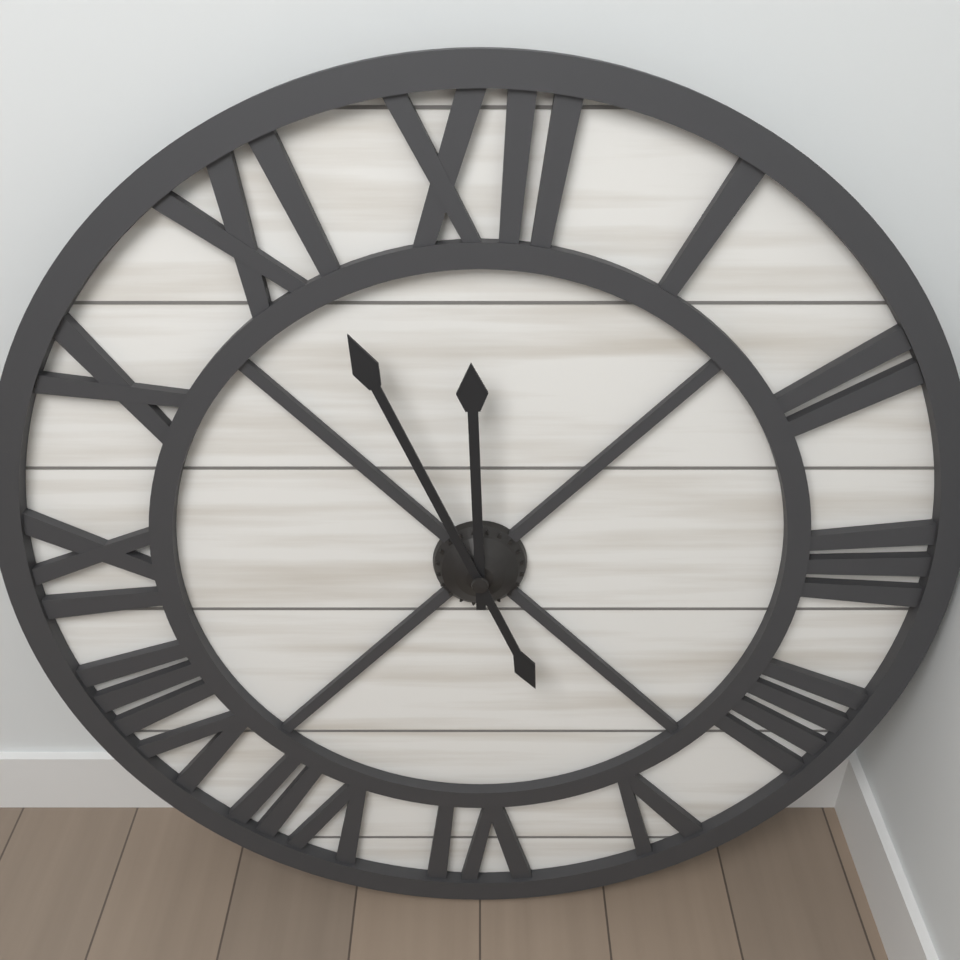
11:56
